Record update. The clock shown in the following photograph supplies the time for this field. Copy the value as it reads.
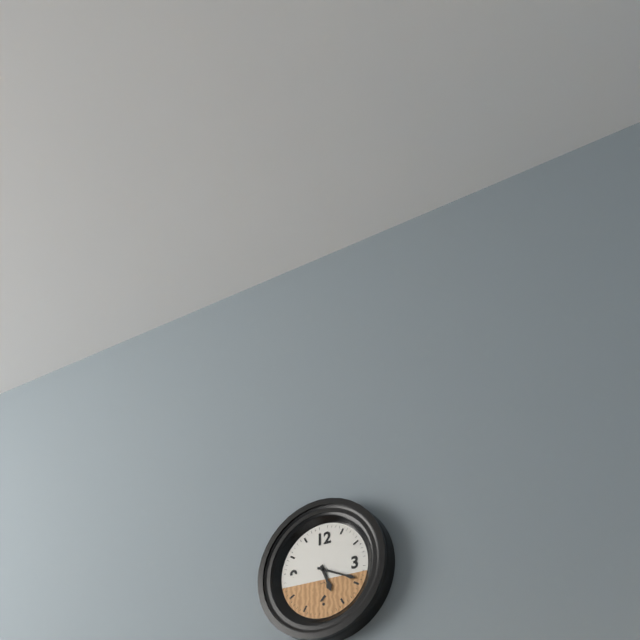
5:19
